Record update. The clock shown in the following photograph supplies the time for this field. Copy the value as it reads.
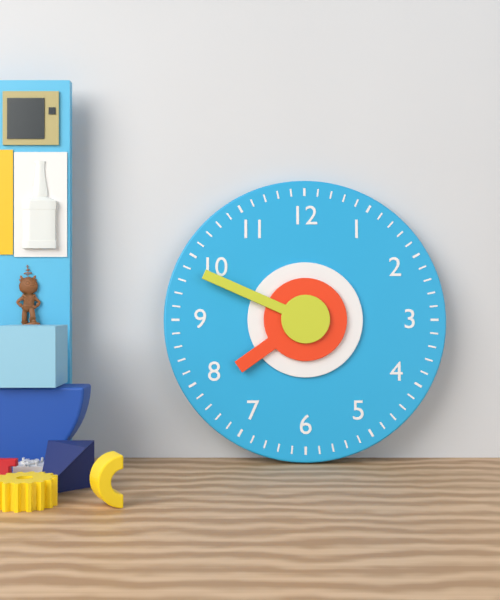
7:49
